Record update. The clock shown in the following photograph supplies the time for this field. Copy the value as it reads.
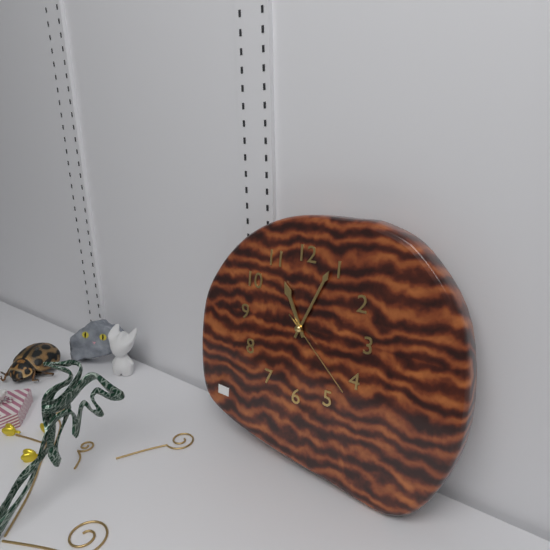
11:04:22
